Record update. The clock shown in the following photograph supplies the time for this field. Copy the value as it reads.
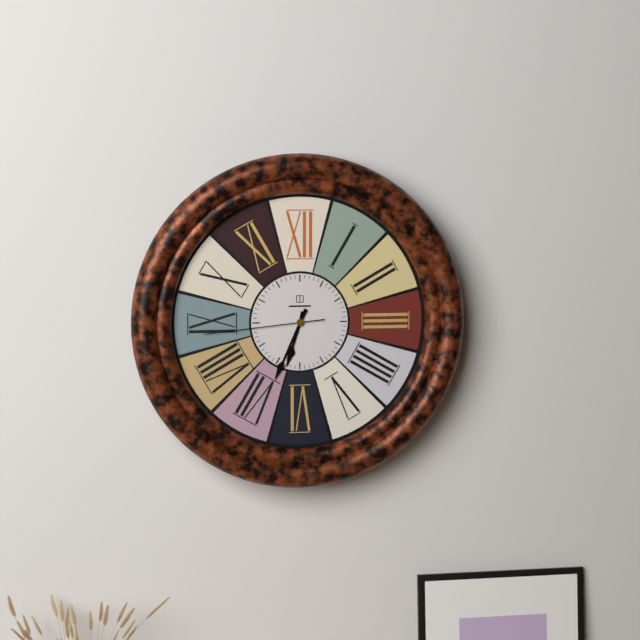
6:34:44
